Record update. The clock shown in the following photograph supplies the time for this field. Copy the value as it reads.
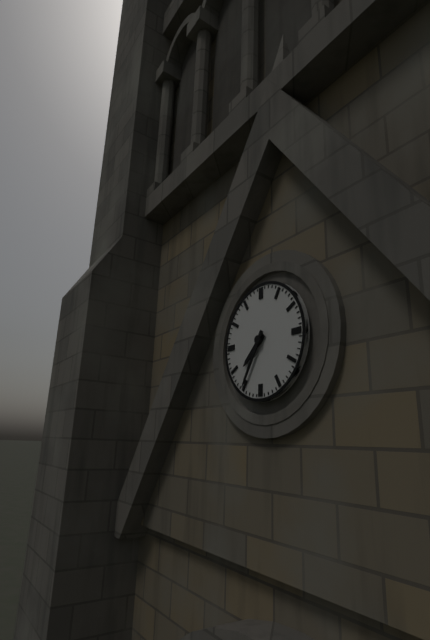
7:35
